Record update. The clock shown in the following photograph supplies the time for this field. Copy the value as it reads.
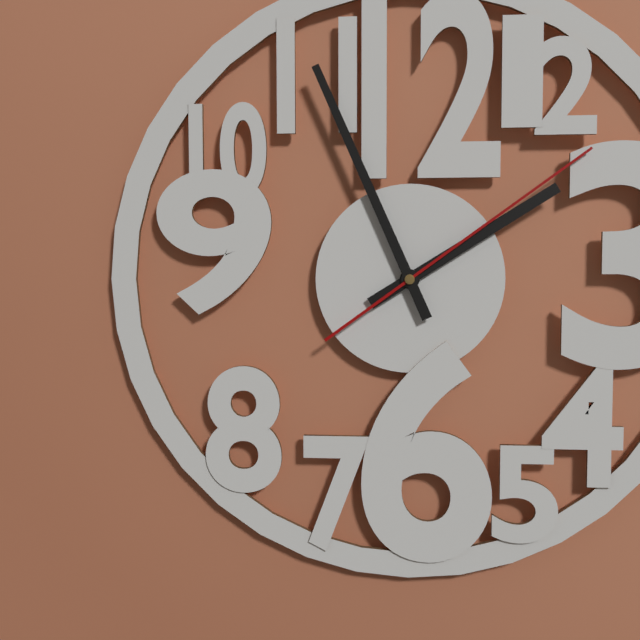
1:56:09
